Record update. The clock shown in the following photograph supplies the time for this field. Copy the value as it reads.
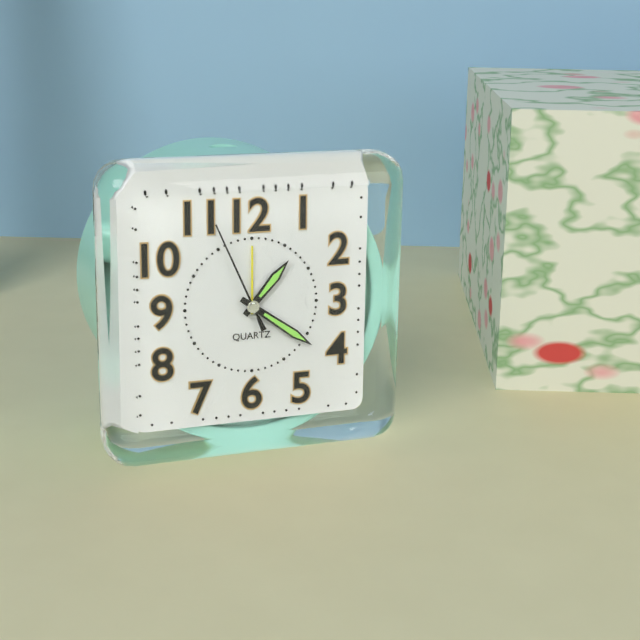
1:21:56
